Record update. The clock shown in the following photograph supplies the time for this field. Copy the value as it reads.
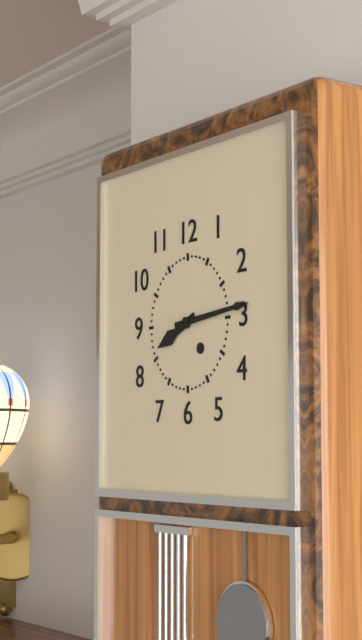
8:14
